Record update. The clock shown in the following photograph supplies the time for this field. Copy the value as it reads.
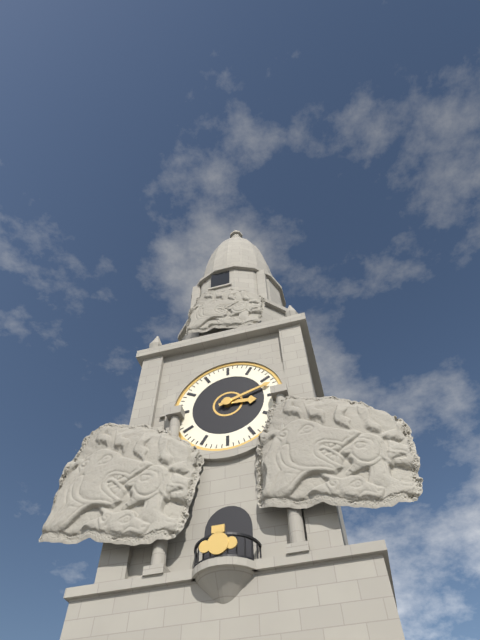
3:12
